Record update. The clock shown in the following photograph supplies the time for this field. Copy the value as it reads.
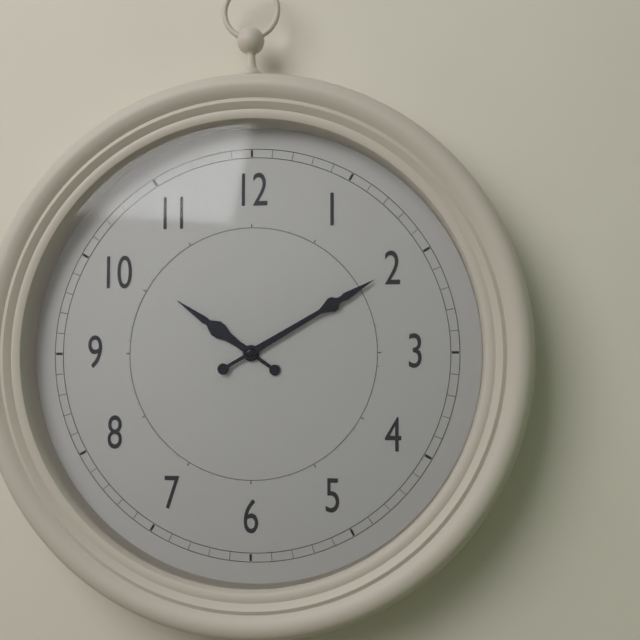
10:10
